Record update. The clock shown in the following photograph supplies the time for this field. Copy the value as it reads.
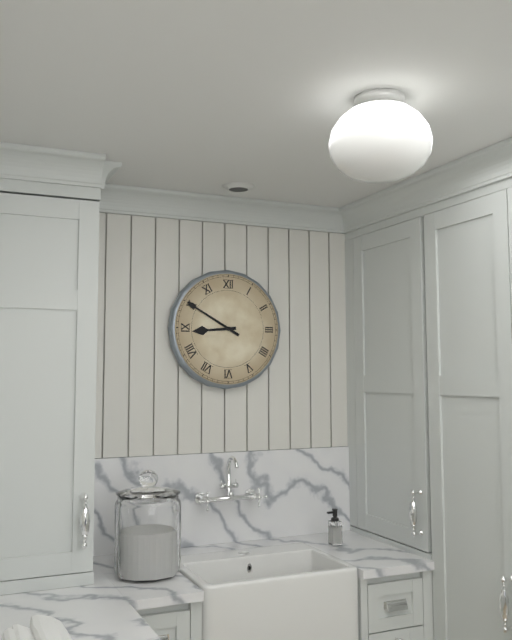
8:50
